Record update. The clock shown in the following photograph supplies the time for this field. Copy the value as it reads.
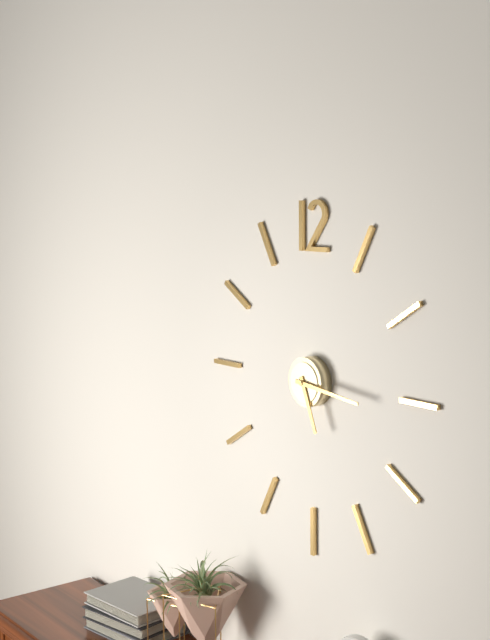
5:16
